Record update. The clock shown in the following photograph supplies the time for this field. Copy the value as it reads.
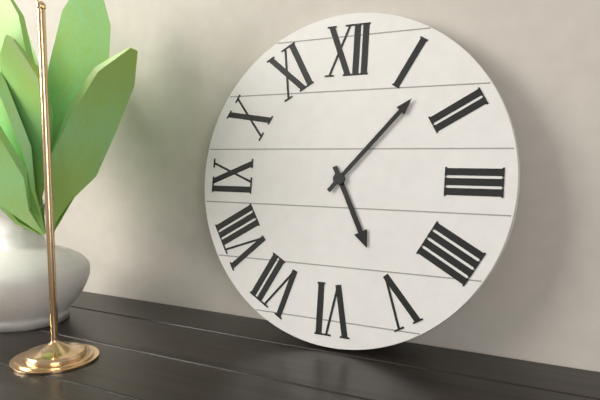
5:07
